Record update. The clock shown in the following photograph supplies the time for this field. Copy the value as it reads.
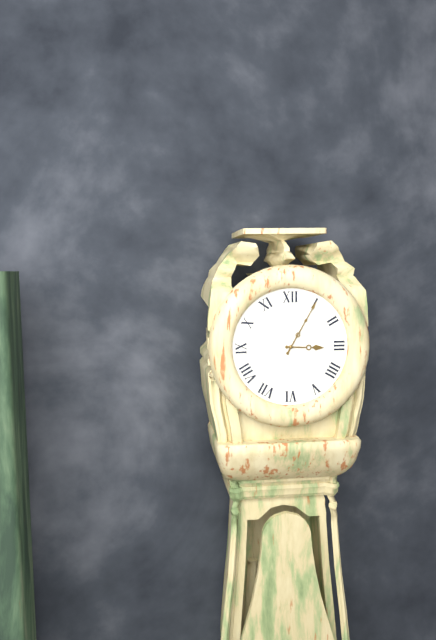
3:05
